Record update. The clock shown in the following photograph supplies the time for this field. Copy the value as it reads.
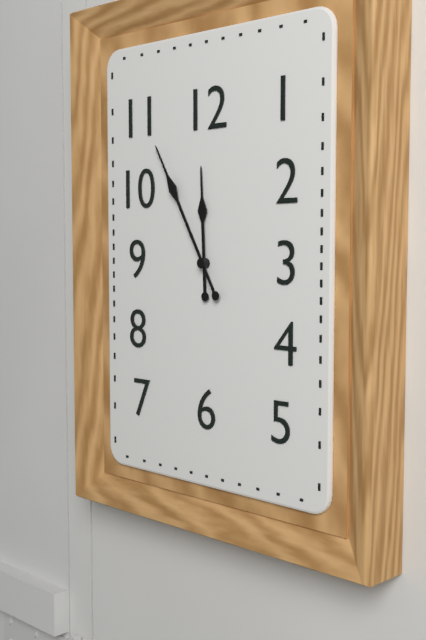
11:55
